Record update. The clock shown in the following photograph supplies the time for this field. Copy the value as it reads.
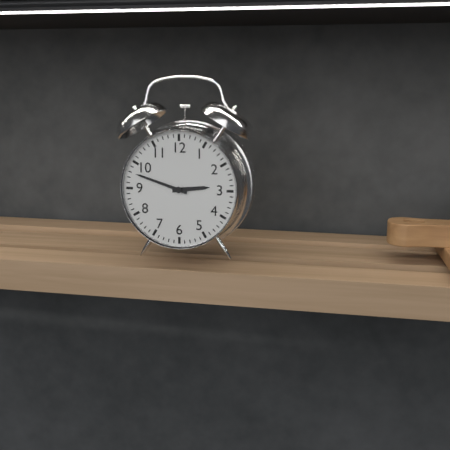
2:48
